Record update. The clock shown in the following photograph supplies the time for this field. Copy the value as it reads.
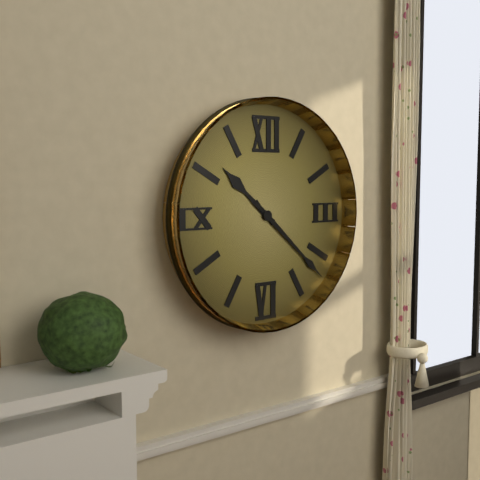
10:22
